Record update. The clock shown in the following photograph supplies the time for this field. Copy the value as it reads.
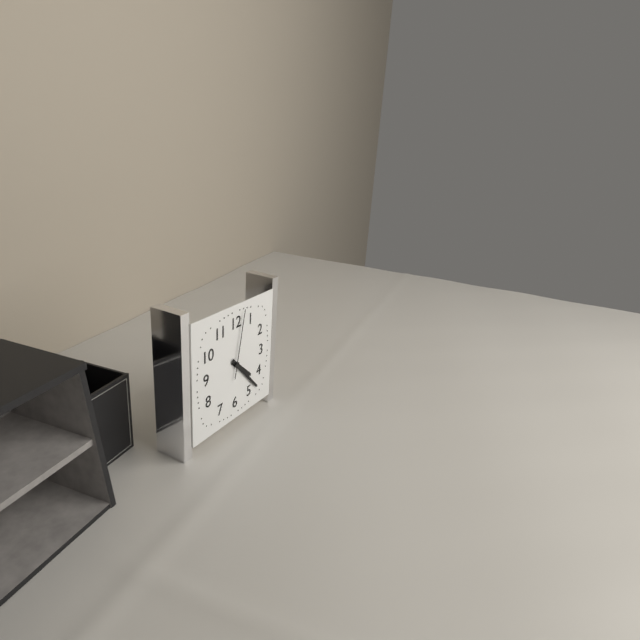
4:23:02
